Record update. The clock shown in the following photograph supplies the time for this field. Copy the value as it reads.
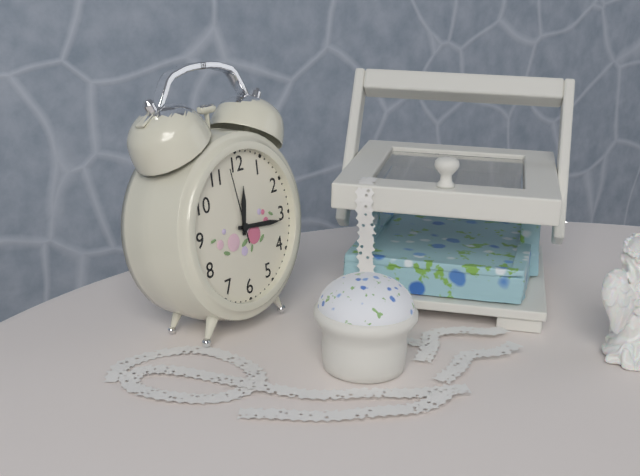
12:16:58
